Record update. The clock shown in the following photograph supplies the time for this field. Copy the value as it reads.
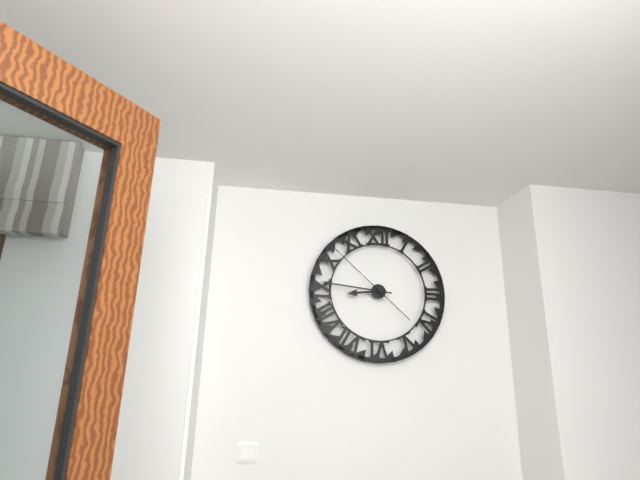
8:46:52
